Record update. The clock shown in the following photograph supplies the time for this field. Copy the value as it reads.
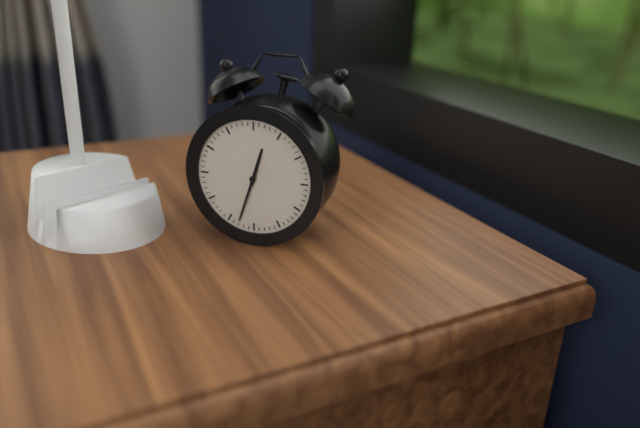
12:33
